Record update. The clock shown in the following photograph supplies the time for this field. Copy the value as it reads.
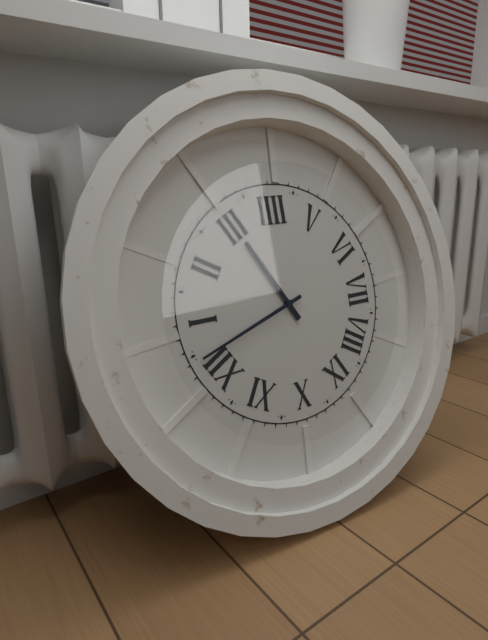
3:02
